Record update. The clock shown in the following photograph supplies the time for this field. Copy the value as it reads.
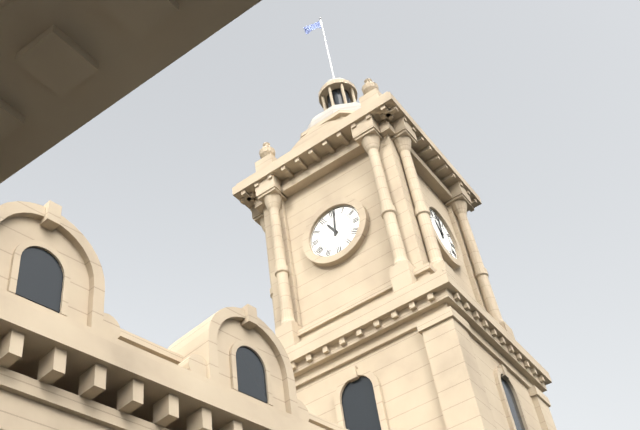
11:01
